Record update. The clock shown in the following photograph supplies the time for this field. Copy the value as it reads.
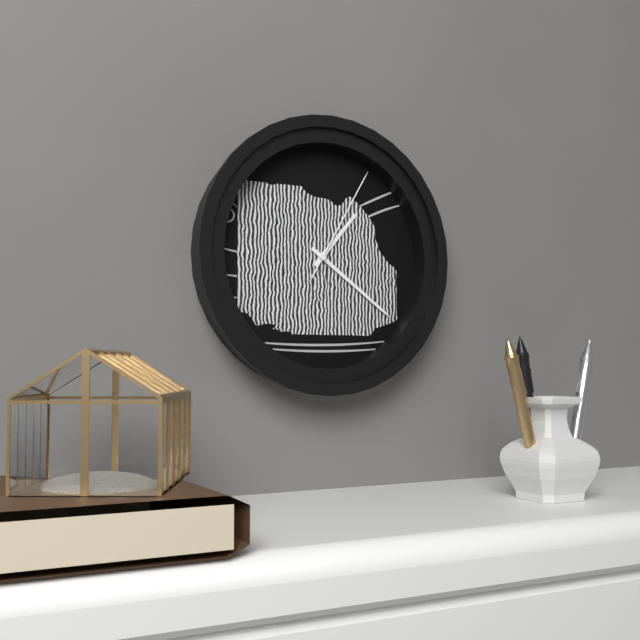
1:21:05
